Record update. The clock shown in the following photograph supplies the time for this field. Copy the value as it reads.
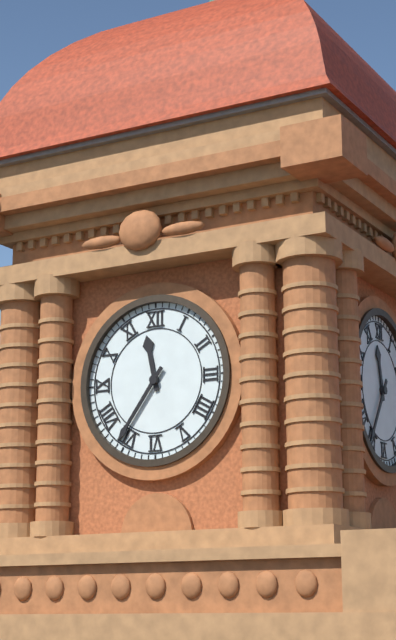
11:36
